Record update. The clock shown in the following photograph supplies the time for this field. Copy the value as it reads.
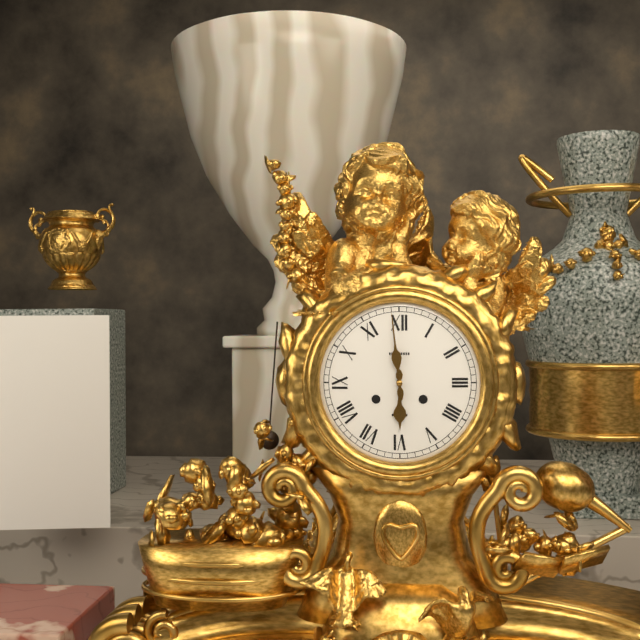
5:59
